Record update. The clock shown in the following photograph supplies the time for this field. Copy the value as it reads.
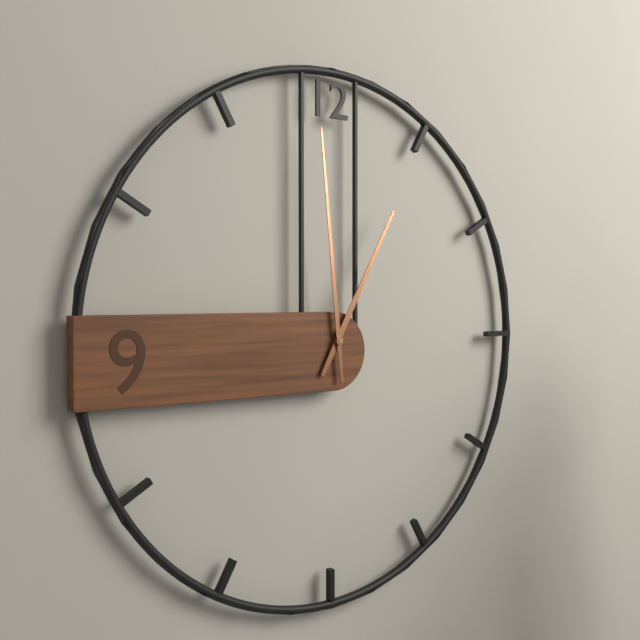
12:59
